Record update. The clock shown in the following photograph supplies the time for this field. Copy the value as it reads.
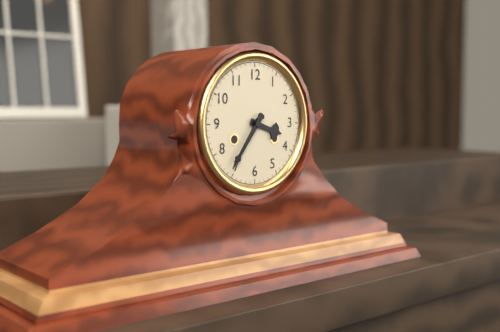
3:36
